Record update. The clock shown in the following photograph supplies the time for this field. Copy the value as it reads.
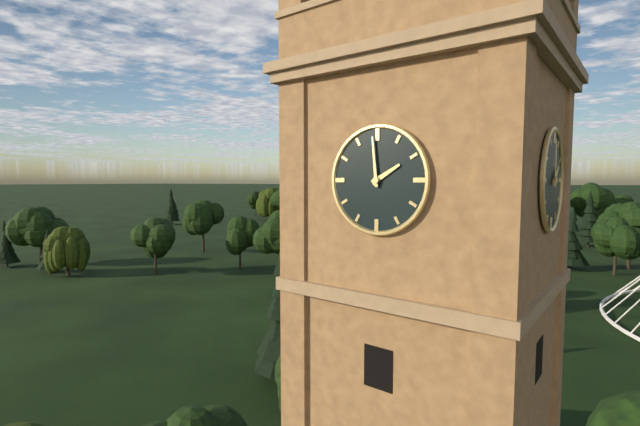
1:59
